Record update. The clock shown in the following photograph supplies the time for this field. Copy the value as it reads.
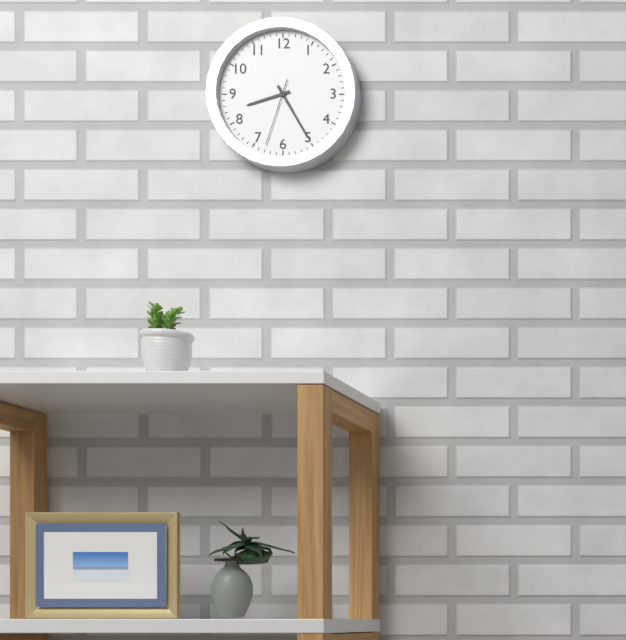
8:25:33
